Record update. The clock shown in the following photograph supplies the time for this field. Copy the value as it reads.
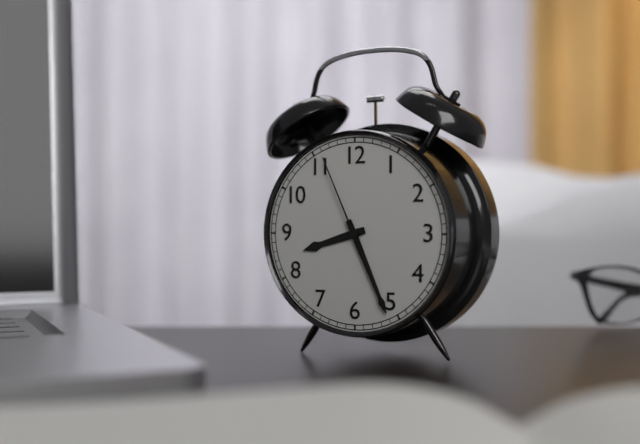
8:26:56
